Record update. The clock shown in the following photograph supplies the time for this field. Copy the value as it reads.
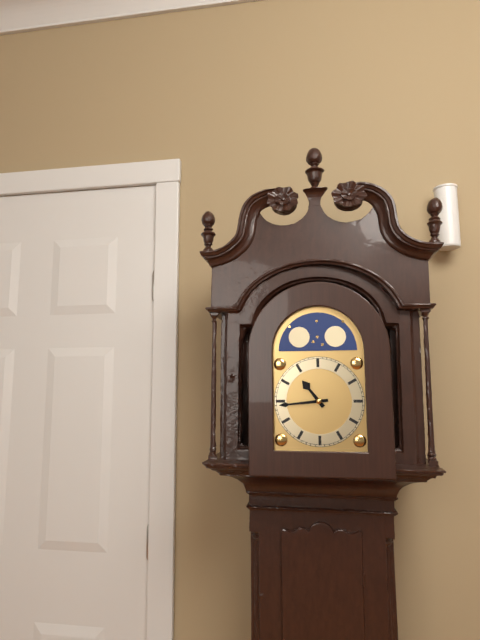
10:44
